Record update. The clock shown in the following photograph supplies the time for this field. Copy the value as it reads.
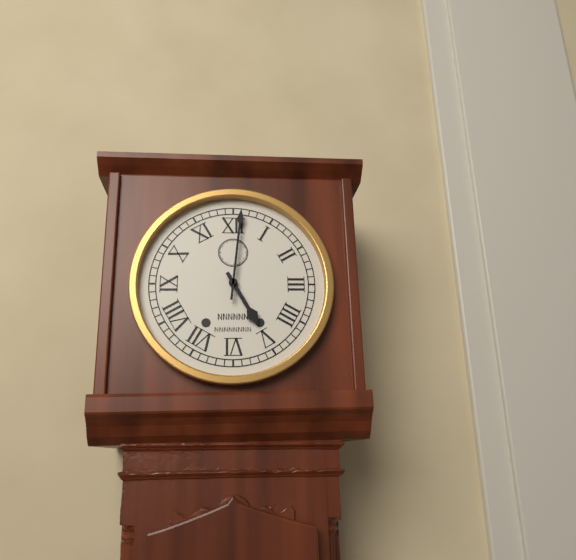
5:01
